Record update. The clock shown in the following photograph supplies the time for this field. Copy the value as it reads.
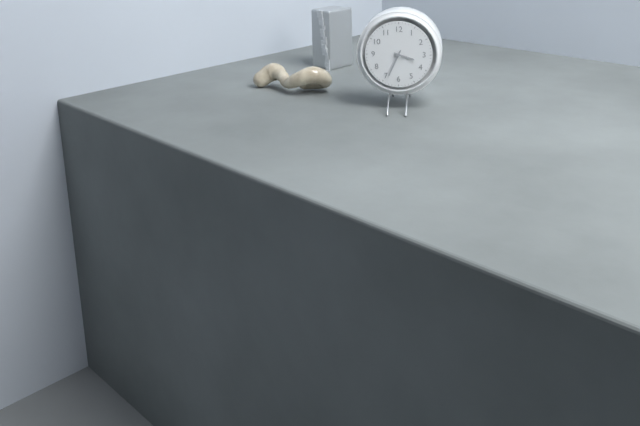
3:34
